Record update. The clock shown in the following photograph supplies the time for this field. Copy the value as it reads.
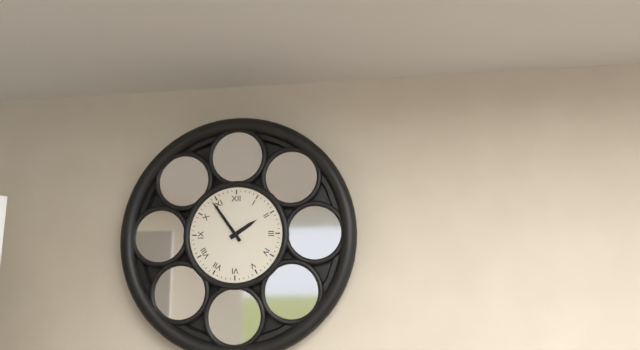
1:54
